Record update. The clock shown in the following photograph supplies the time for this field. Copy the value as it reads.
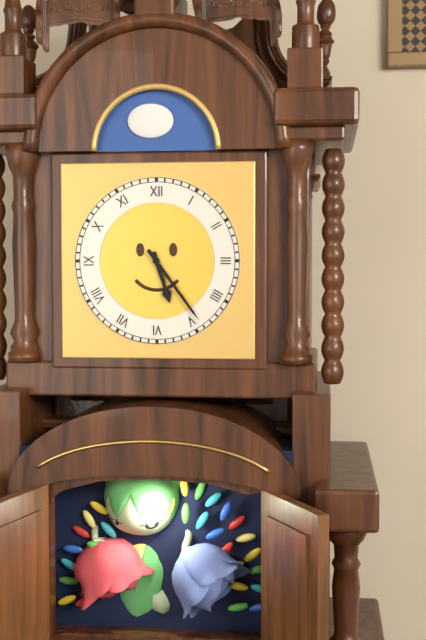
5:24
